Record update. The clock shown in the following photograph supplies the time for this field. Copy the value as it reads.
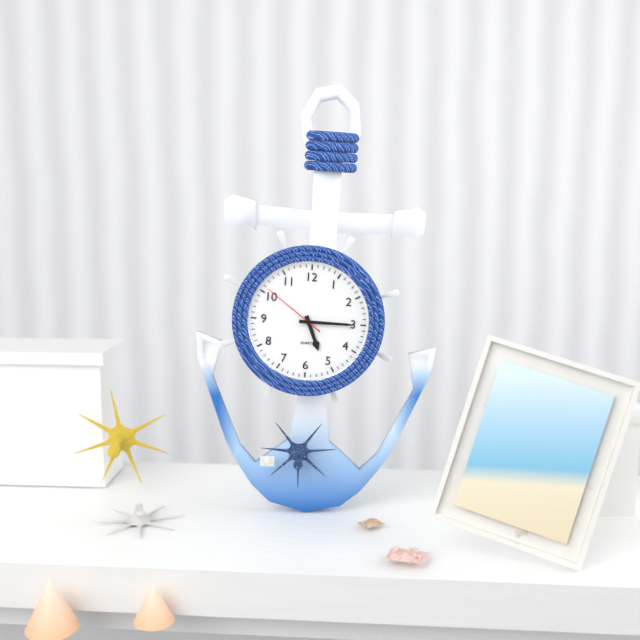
5:15:51
